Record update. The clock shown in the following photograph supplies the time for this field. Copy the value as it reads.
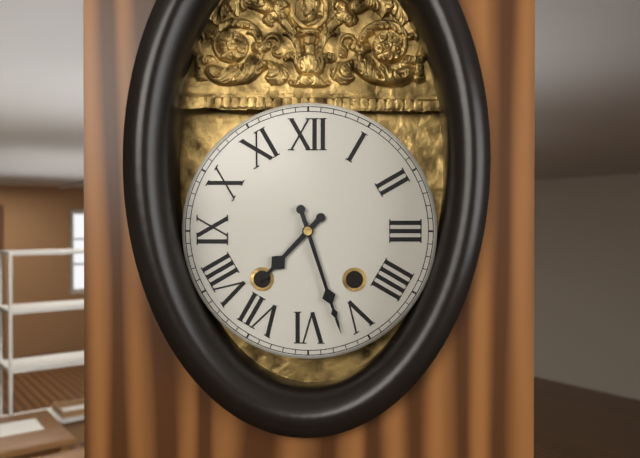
7:27
